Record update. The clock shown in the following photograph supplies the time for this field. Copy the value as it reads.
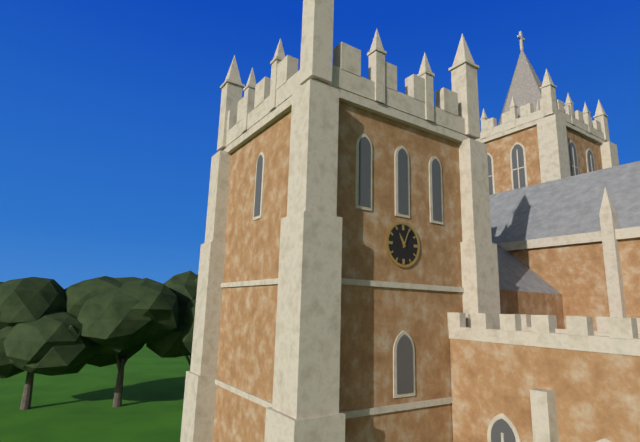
11:04
